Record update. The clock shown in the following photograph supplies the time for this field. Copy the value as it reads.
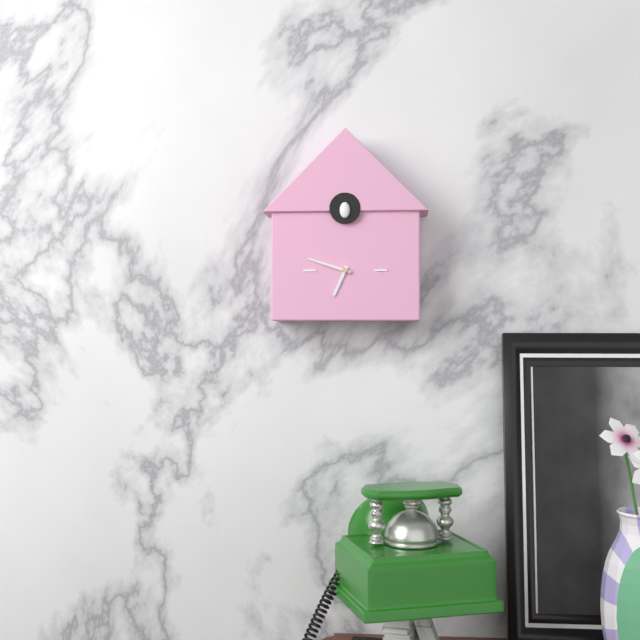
6:48
